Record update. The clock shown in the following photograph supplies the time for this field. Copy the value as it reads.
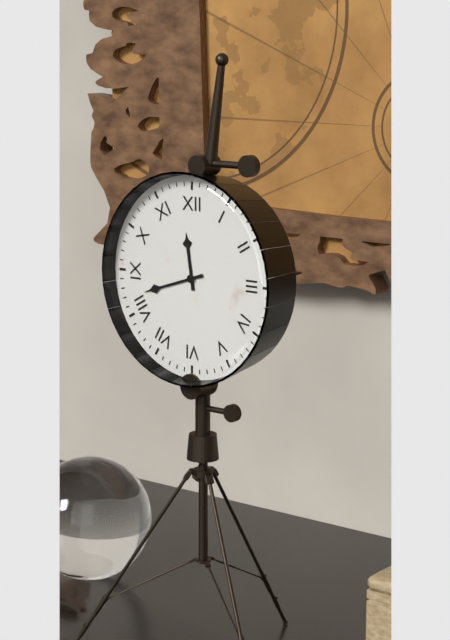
11:42
